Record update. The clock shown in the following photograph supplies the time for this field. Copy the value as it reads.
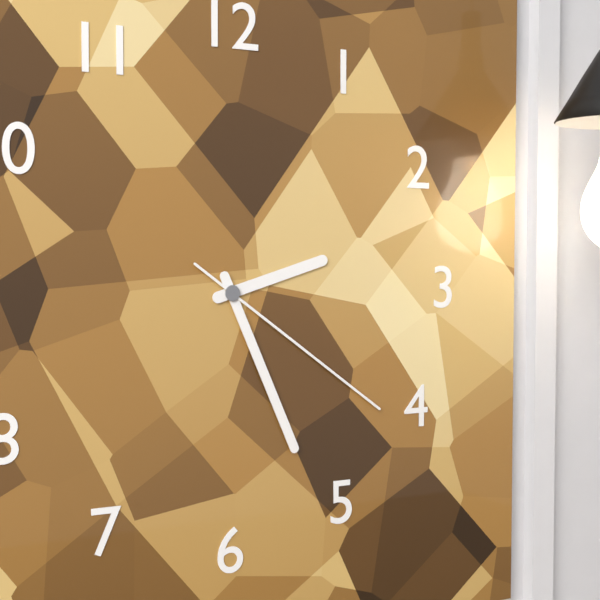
2:26:21
